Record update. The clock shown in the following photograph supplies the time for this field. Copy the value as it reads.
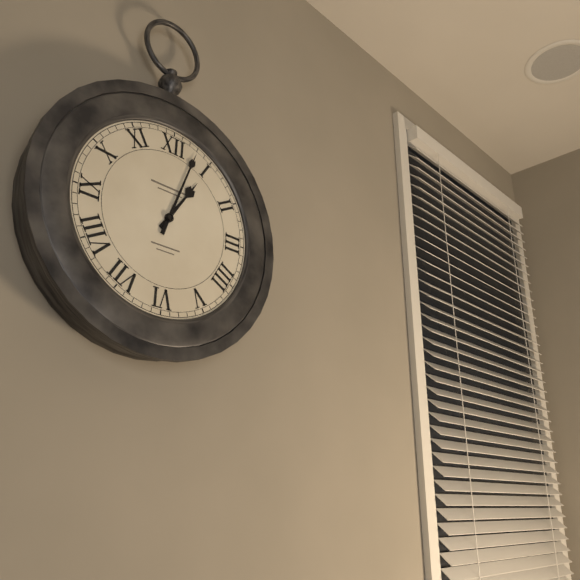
1:03
